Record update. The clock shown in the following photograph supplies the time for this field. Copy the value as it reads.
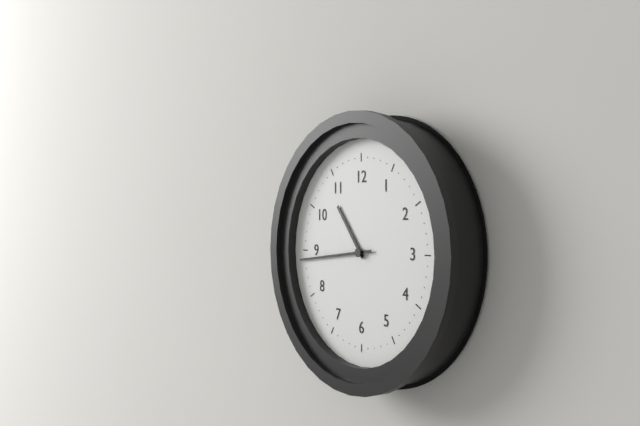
10:44
